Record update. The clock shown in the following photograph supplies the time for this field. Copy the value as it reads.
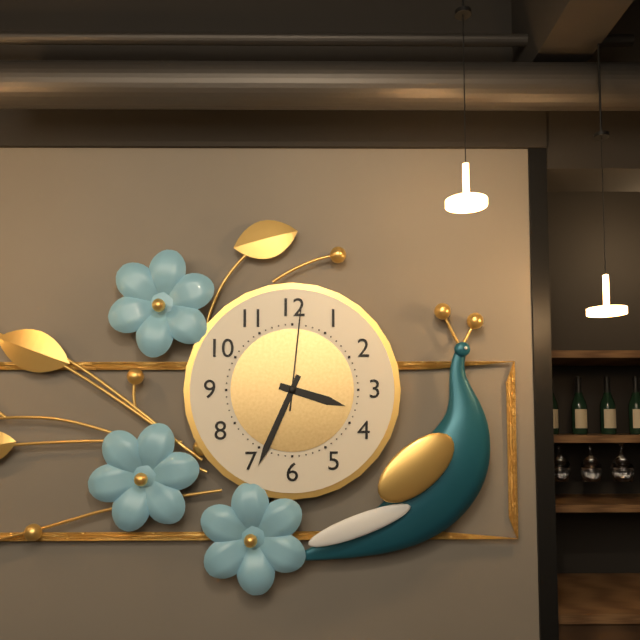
3:34:01
